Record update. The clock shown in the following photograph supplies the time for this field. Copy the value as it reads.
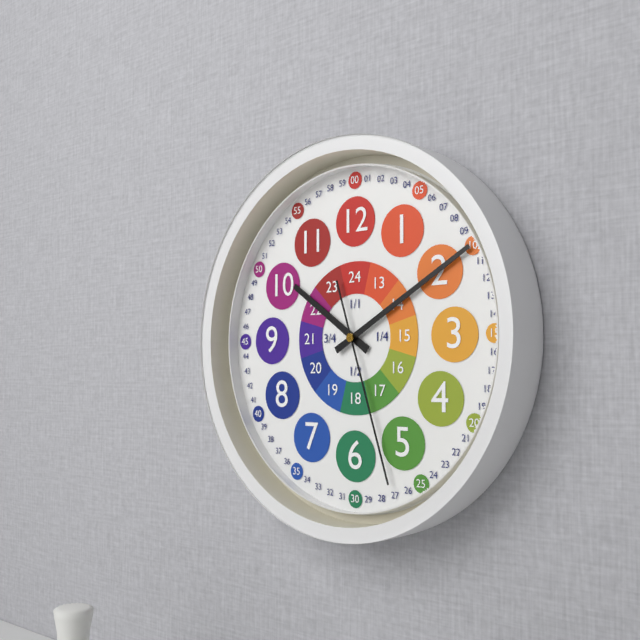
10:10:27
